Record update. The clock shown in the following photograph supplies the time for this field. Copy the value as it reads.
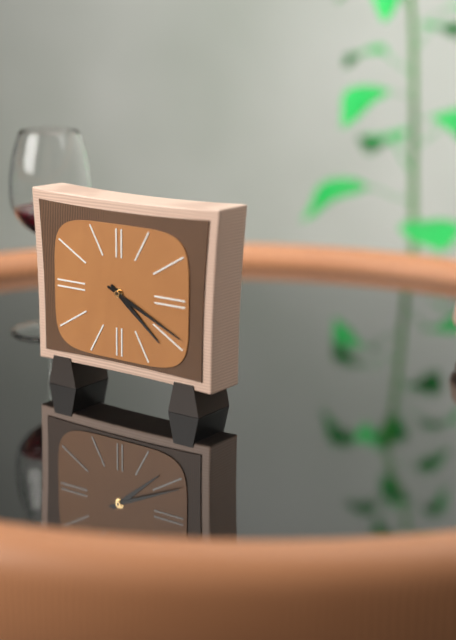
4:19
